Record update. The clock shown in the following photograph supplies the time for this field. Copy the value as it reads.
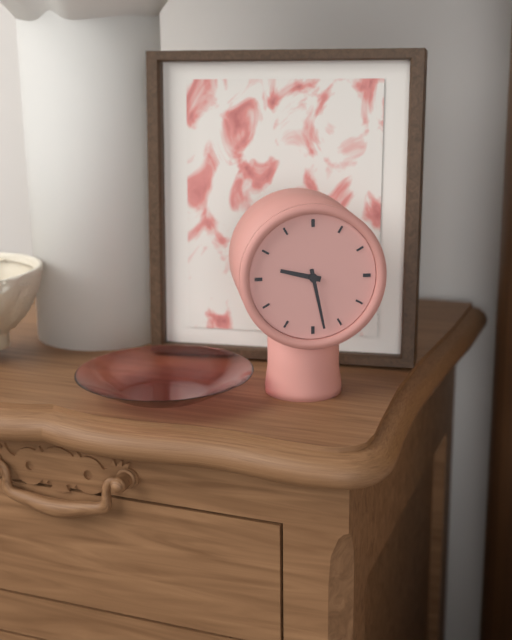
9:28
